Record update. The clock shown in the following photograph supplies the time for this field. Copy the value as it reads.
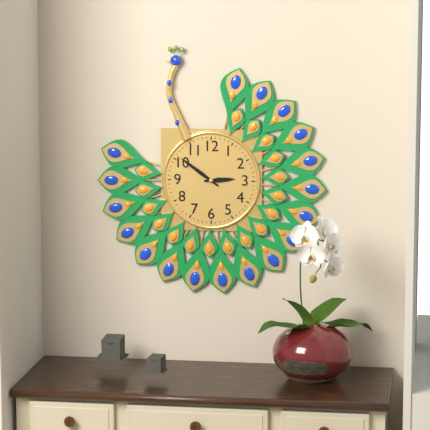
2:51
